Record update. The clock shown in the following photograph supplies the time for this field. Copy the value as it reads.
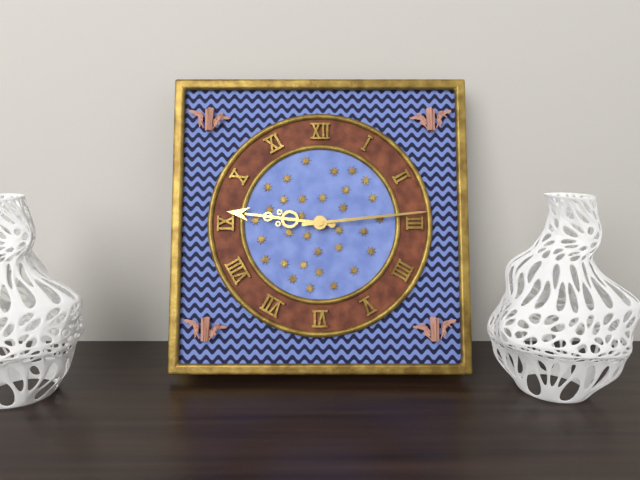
9:14
